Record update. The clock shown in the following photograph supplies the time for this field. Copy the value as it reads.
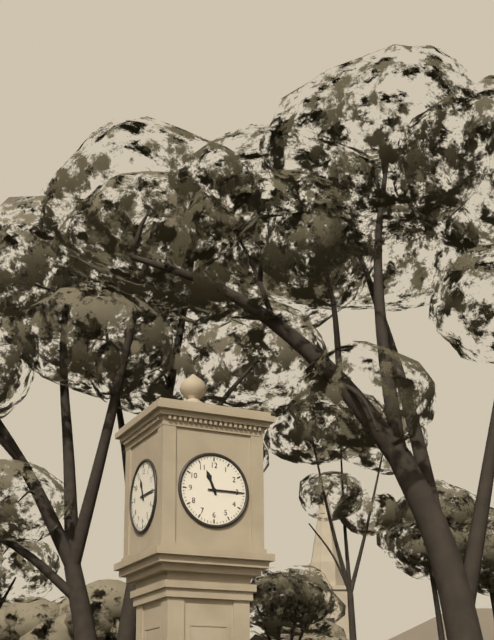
11:15
